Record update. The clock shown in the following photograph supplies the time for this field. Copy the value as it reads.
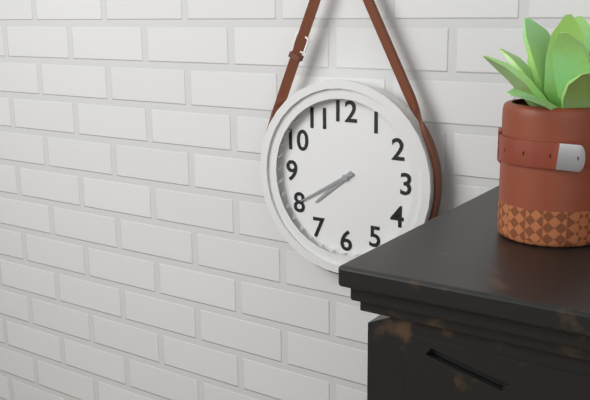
7:40
